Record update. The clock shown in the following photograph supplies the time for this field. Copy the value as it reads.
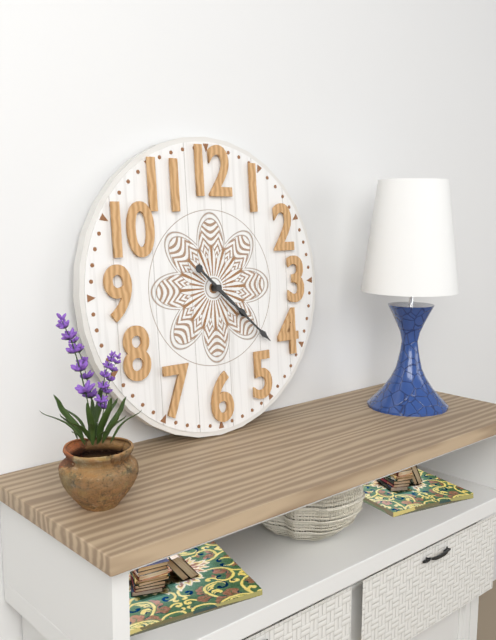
4:22
